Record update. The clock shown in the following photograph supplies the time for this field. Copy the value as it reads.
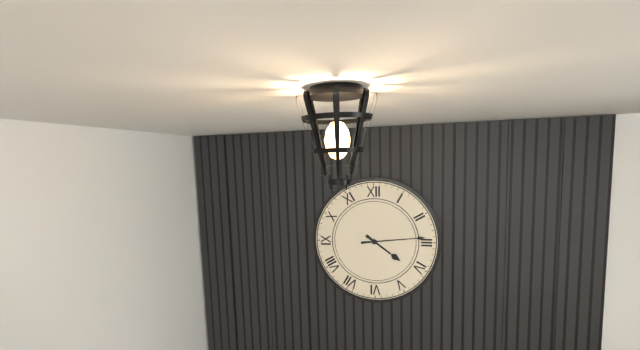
4:14
